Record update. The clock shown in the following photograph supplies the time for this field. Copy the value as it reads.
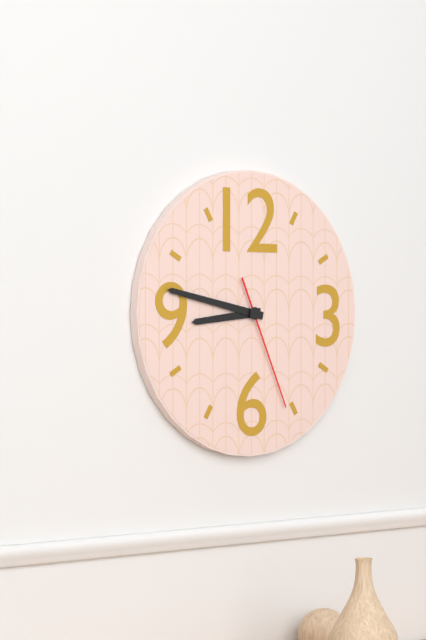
8:47:26
